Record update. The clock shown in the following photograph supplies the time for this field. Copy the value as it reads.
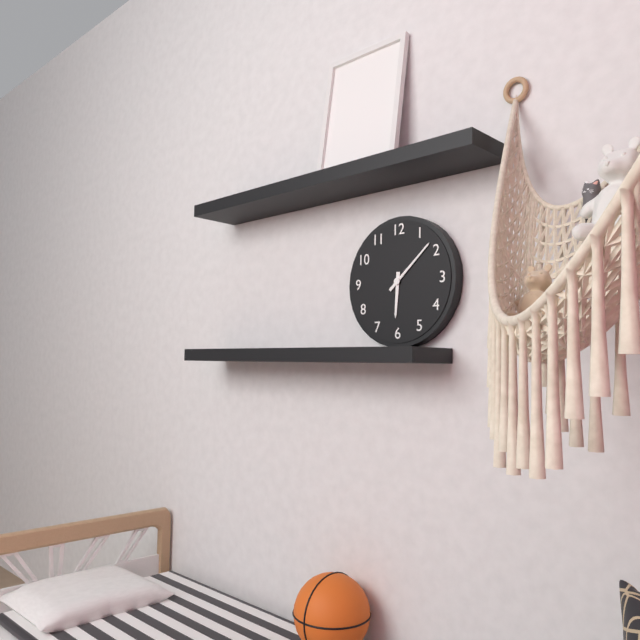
6:08
